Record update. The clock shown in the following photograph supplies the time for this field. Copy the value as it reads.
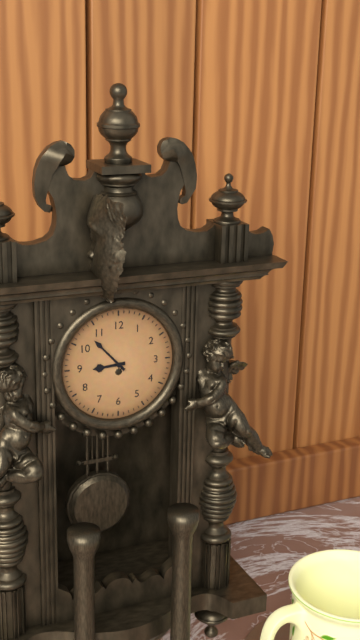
8:53
